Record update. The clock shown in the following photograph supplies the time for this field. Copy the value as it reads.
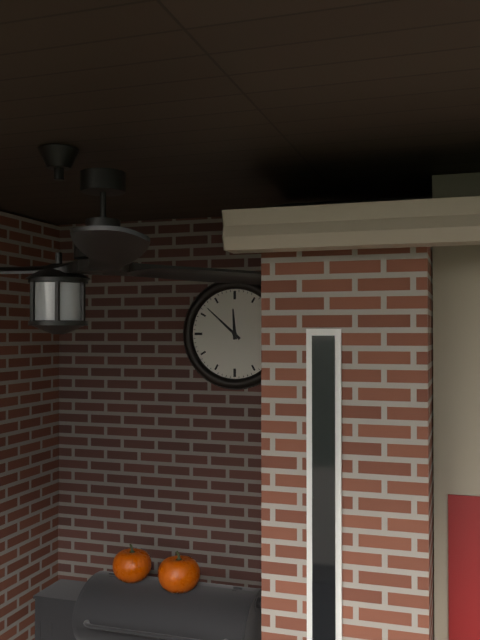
11:52
